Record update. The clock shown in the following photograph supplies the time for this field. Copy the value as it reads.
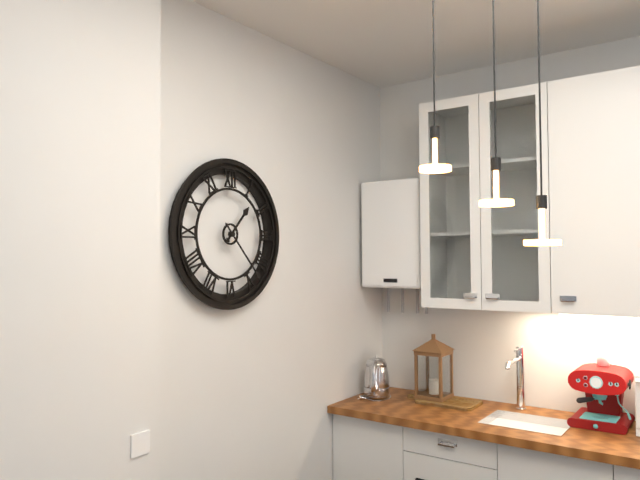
1:23
